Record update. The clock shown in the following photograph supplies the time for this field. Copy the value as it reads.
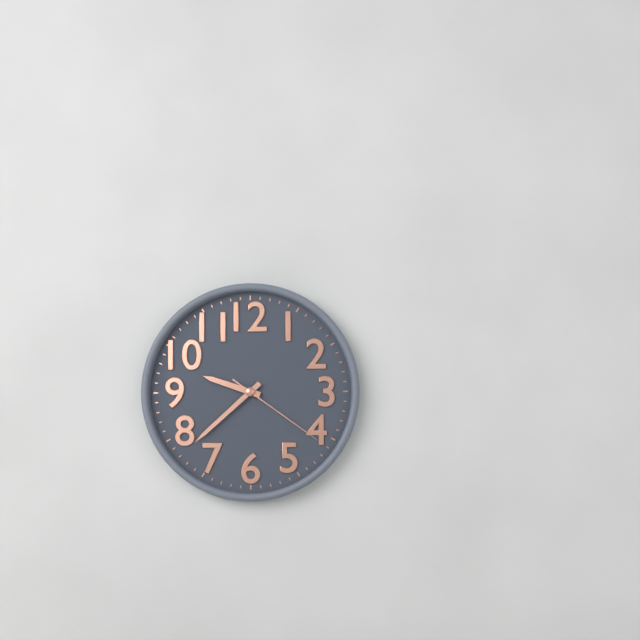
9:38:21
